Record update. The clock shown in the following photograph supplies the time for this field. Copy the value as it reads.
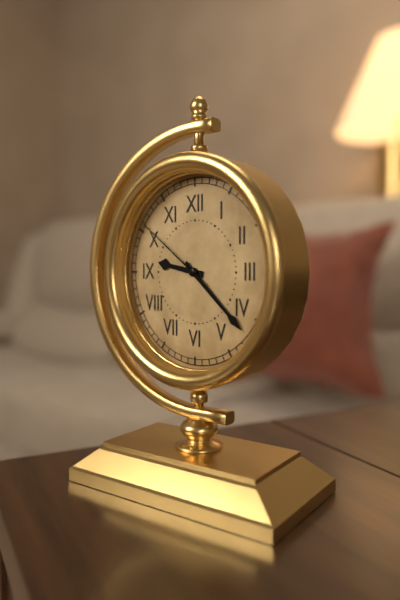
9:22:51
